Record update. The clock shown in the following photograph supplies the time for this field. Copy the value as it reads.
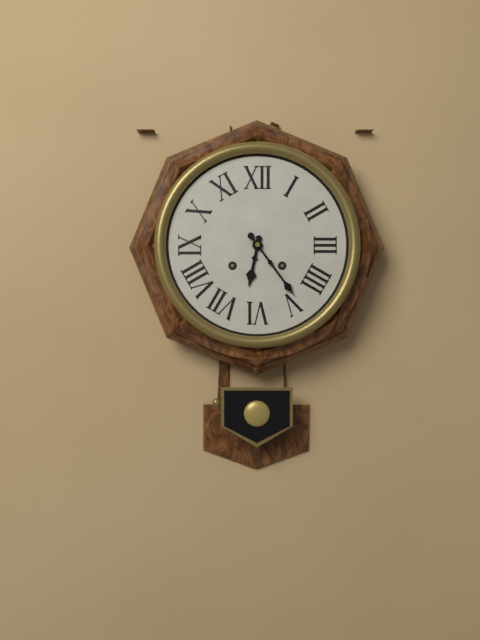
6:24
